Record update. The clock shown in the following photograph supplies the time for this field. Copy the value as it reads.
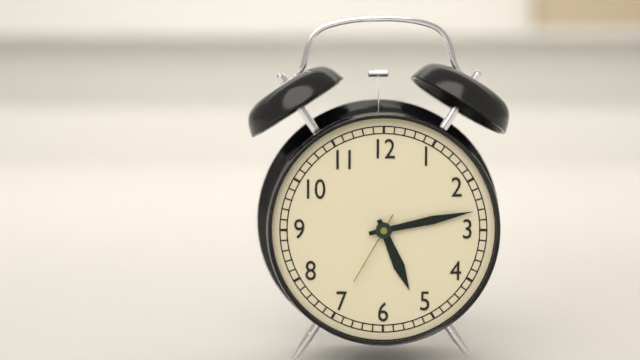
5:13:35
